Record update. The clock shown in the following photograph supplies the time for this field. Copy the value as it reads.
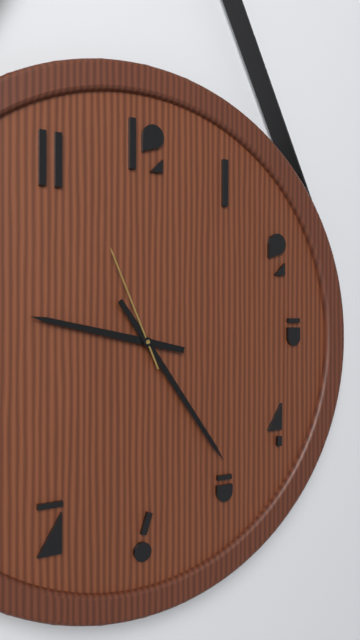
9:24:56
